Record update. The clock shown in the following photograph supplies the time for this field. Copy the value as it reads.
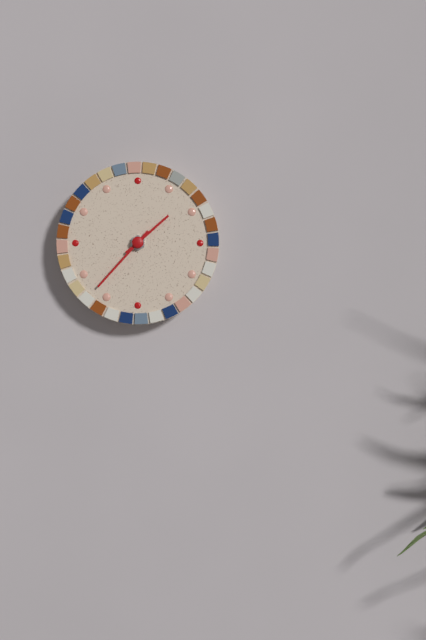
1:37
